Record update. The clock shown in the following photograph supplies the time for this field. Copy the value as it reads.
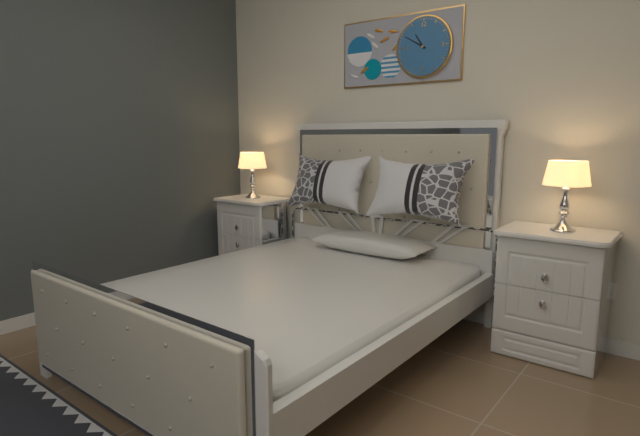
10:50
